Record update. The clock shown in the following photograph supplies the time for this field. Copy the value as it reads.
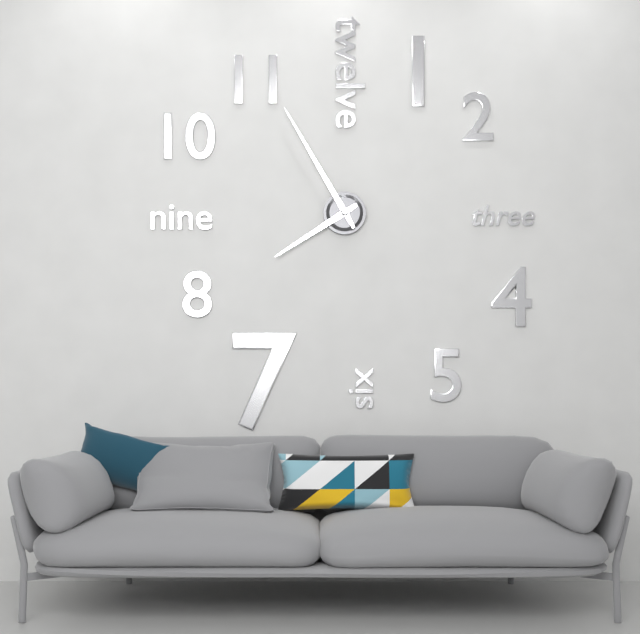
7:55
